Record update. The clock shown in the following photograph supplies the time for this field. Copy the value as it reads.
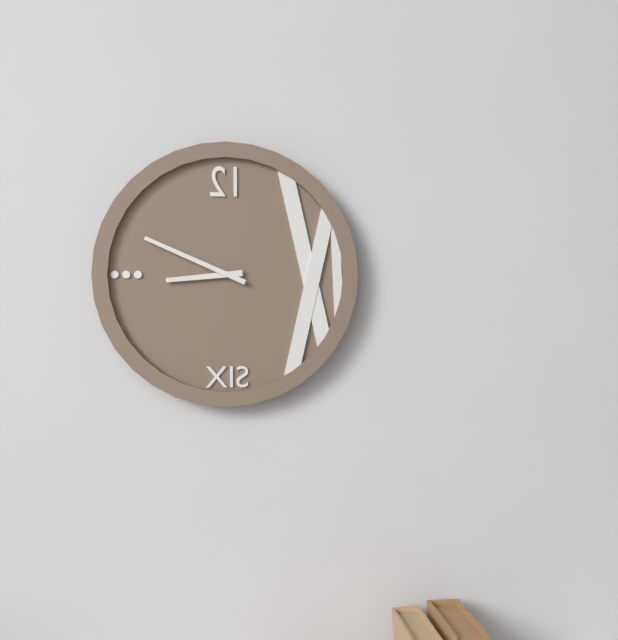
8:49
